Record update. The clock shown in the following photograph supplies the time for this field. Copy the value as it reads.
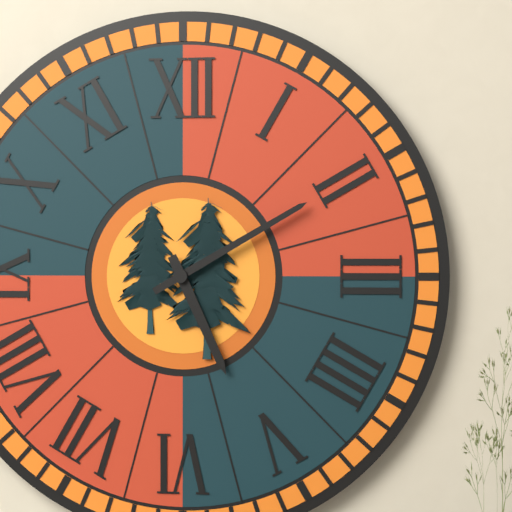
5:10
